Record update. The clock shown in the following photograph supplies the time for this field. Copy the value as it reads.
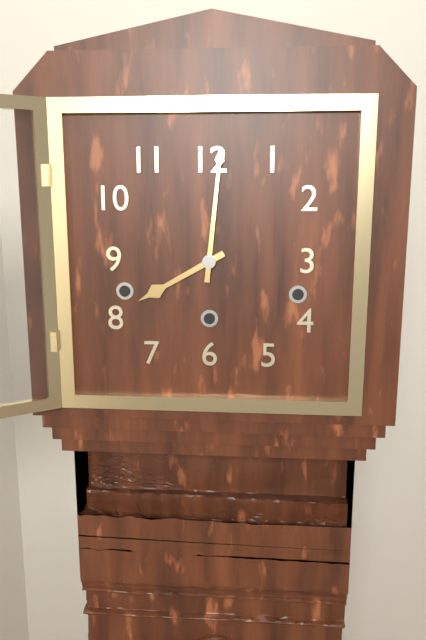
8:01
